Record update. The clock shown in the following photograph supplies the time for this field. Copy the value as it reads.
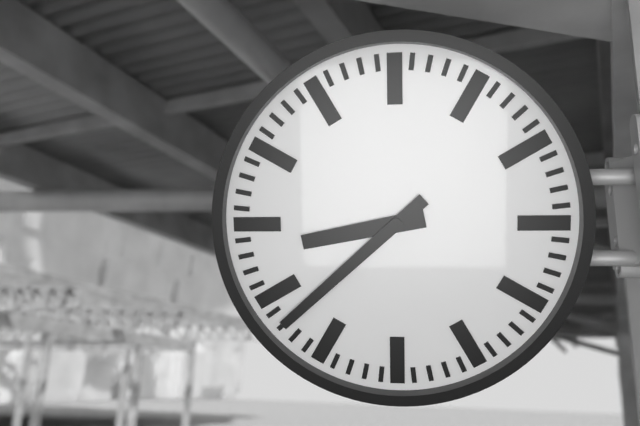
8:38
